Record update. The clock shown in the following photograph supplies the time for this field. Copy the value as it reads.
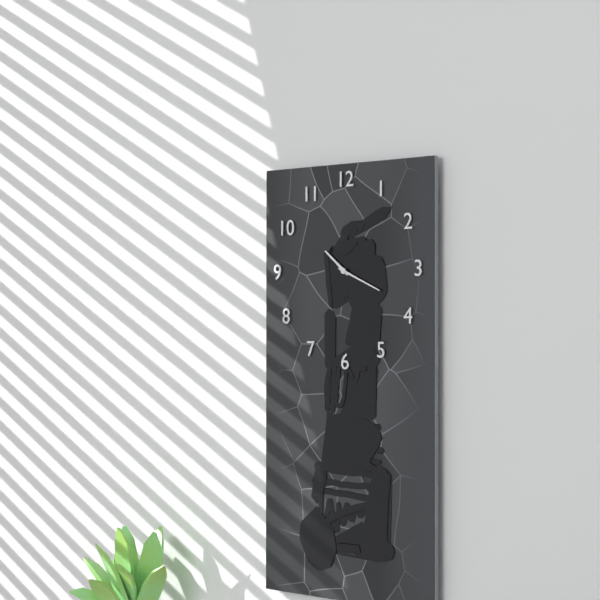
10:19
